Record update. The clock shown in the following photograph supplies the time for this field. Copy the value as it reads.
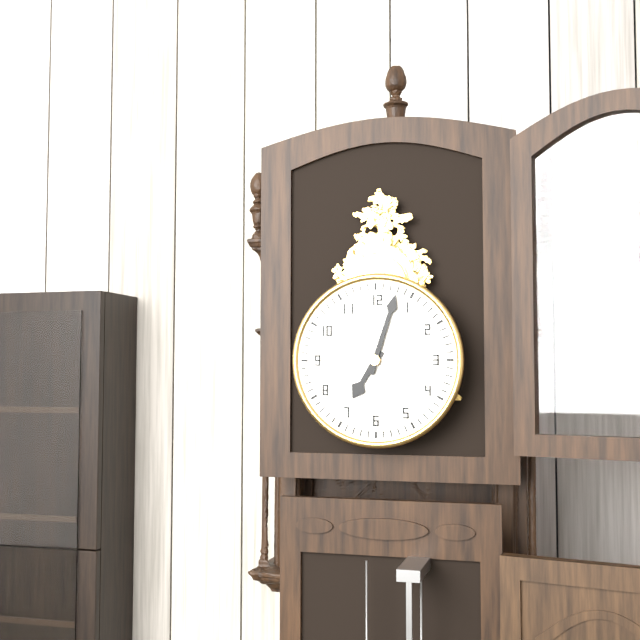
7:03
